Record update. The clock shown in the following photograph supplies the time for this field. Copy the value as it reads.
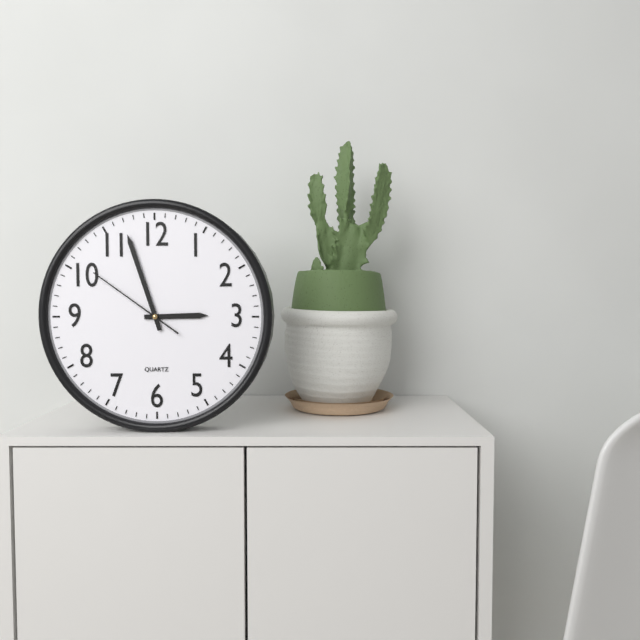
2:57:51
